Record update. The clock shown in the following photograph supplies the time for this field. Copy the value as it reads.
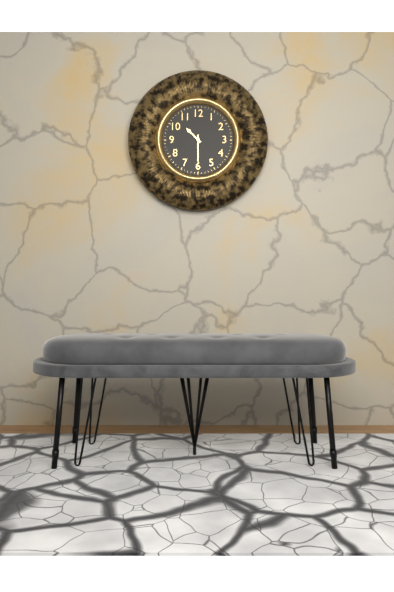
10:30
